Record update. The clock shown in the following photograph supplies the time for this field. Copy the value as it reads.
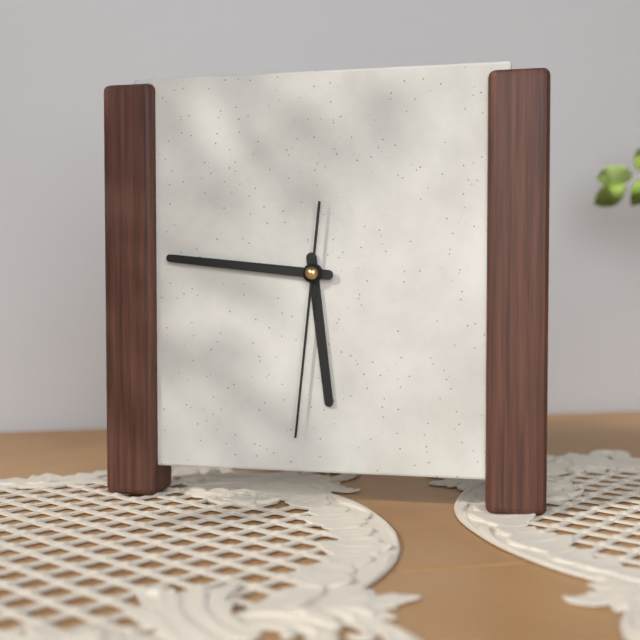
5:46:31
